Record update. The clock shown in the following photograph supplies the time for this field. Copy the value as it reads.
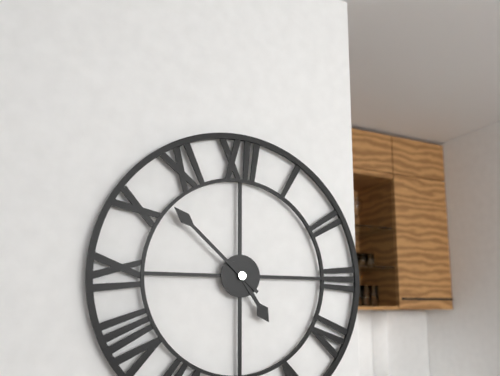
4:52
